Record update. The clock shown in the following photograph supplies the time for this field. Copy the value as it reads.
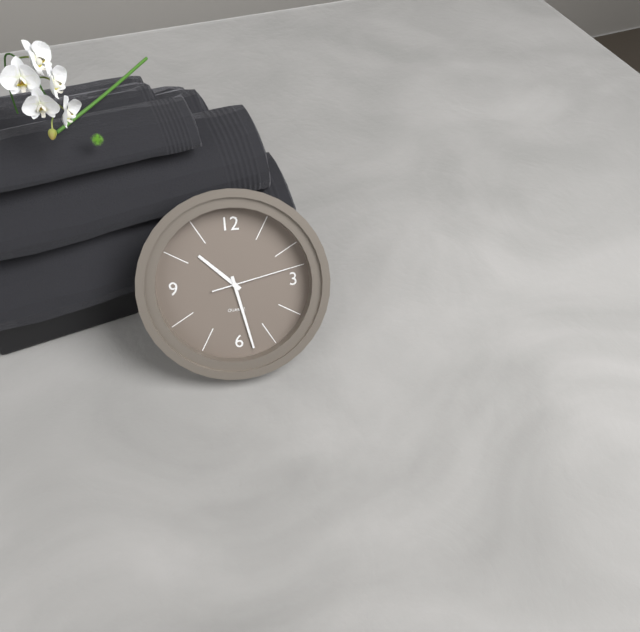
10:28:13
